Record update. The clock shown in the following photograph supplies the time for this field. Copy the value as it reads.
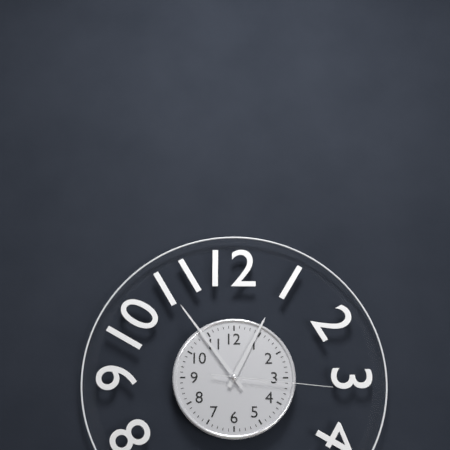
12:54:16
